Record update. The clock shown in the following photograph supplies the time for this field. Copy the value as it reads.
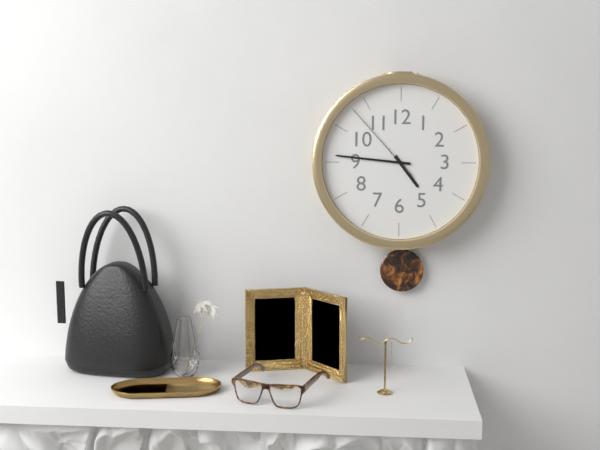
4:46:53
